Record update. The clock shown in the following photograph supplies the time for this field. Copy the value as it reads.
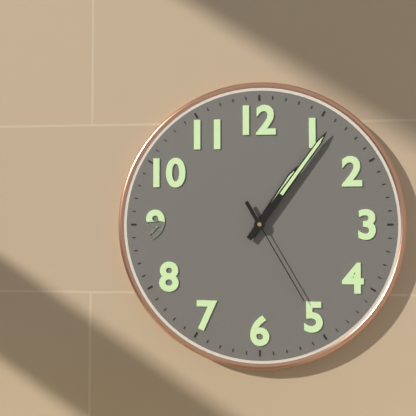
1:06:25
